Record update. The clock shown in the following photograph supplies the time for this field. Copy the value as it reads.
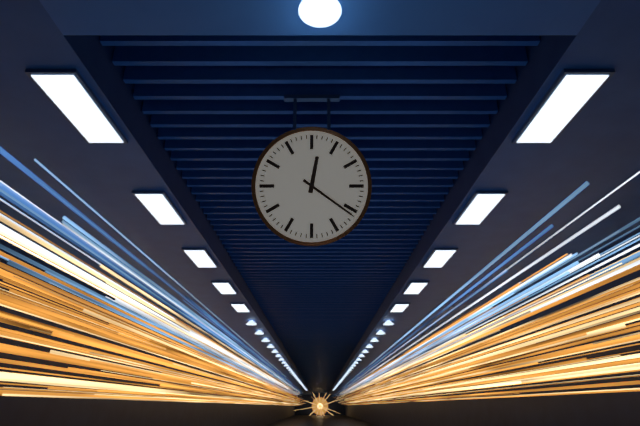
12:21
